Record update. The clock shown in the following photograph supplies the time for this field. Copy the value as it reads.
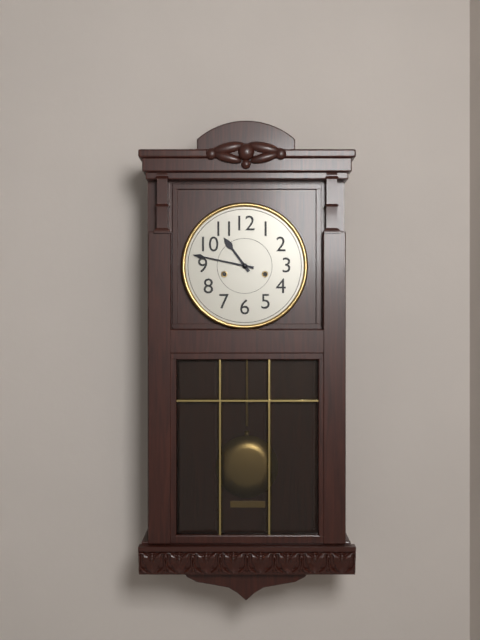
10:47
